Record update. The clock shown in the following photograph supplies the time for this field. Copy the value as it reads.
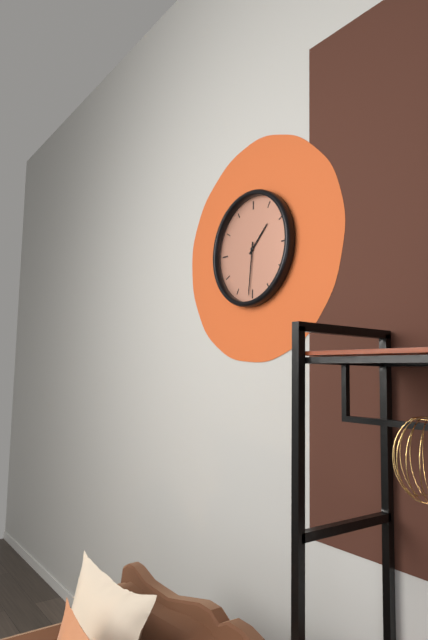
1:31
